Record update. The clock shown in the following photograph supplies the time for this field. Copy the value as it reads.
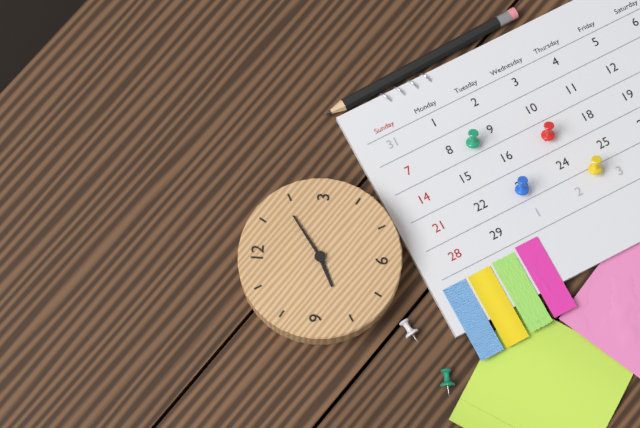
8:09
